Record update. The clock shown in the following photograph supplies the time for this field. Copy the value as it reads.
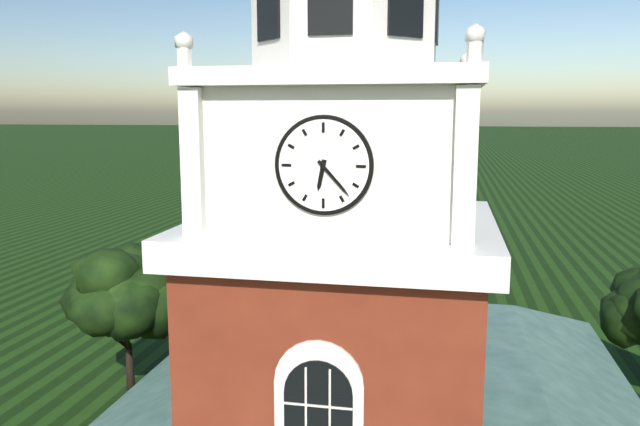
6:23
